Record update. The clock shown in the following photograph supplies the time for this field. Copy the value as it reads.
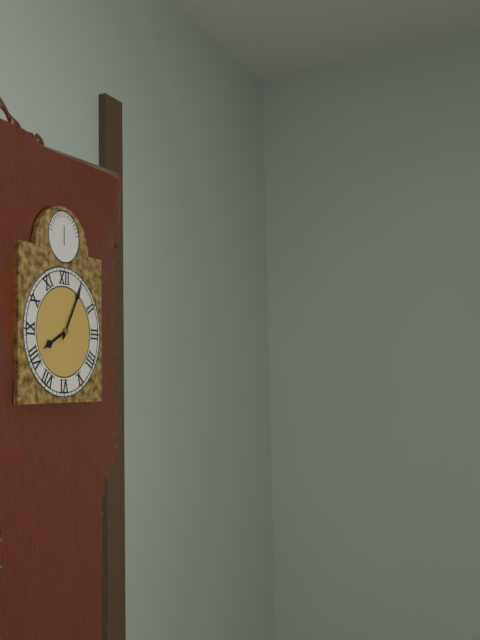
8:05
